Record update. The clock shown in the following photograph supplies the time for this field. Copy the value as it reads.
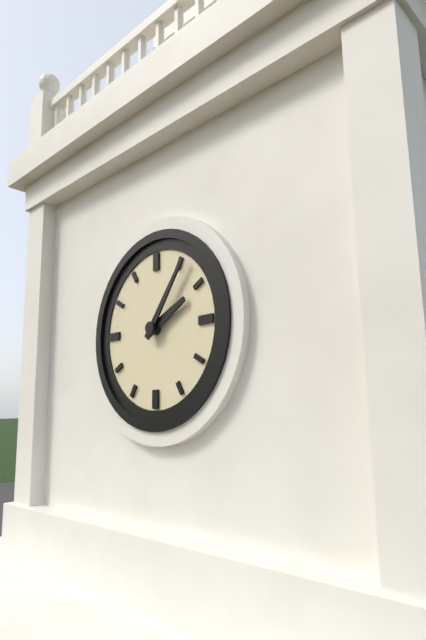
2:06
